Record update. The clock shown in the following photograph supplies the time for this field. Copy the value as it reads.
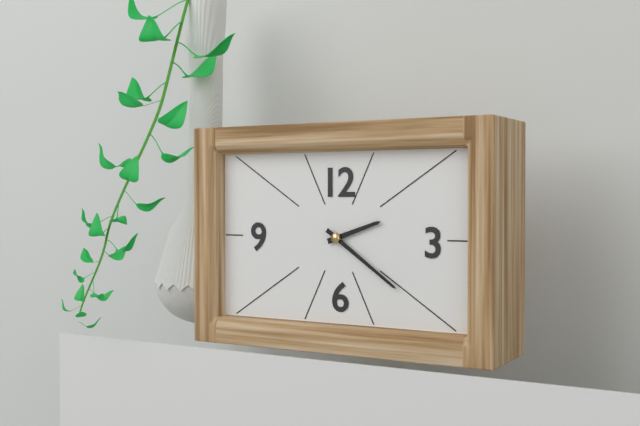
2:21
